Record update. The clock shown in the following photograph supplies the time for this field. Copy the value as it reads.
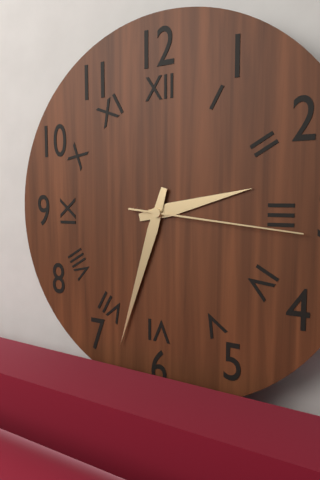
2:33:16
